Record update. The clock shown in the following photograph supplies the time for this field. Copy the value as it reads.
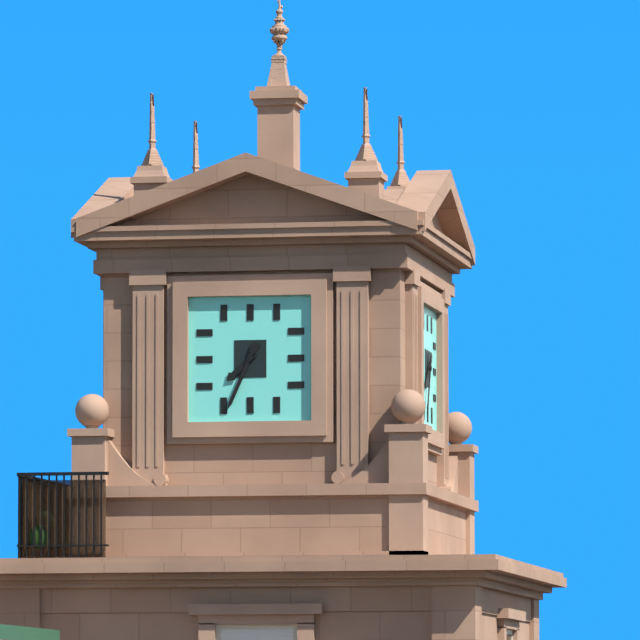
7:34
